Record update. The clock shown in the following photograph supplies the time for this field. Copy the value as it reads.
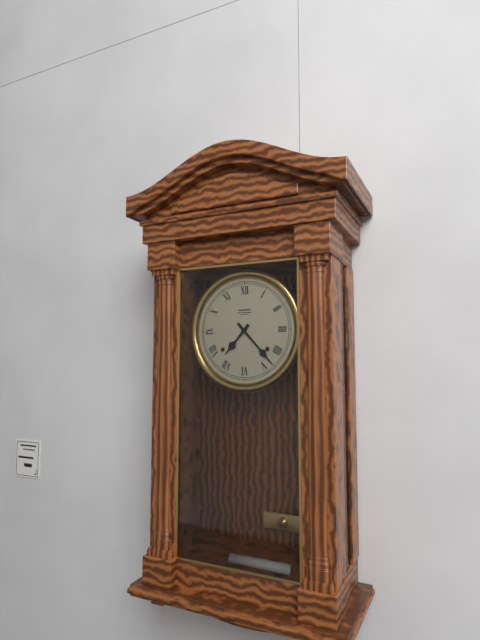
7:23
